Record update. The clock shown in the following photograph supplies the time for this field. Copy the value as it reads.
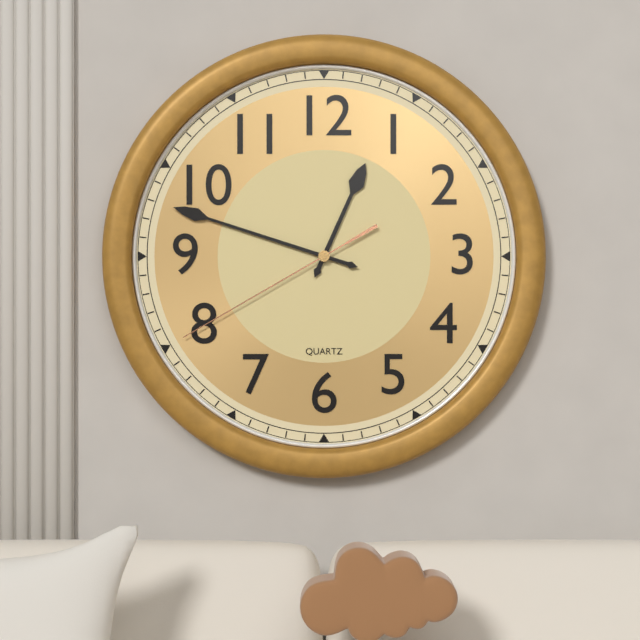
12:48:40
